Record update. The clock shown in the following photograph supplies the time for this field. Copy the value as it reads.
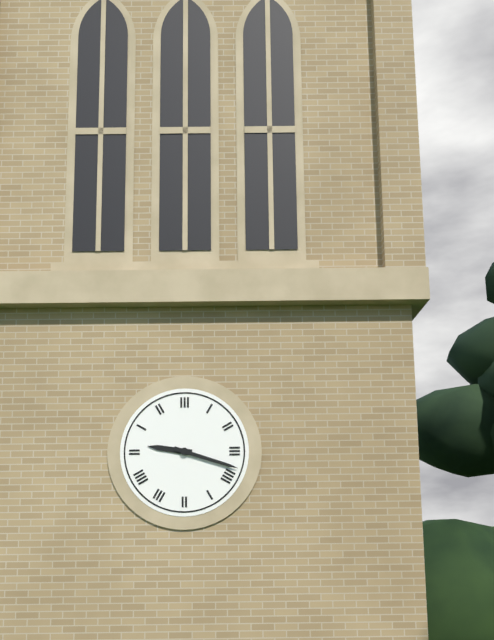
9:18
